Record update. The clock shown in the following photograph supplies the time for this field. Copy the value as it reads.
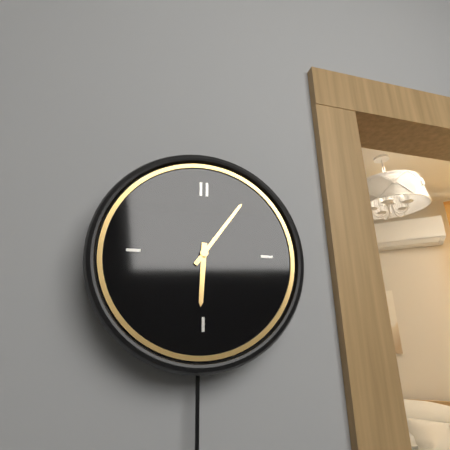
6:06
